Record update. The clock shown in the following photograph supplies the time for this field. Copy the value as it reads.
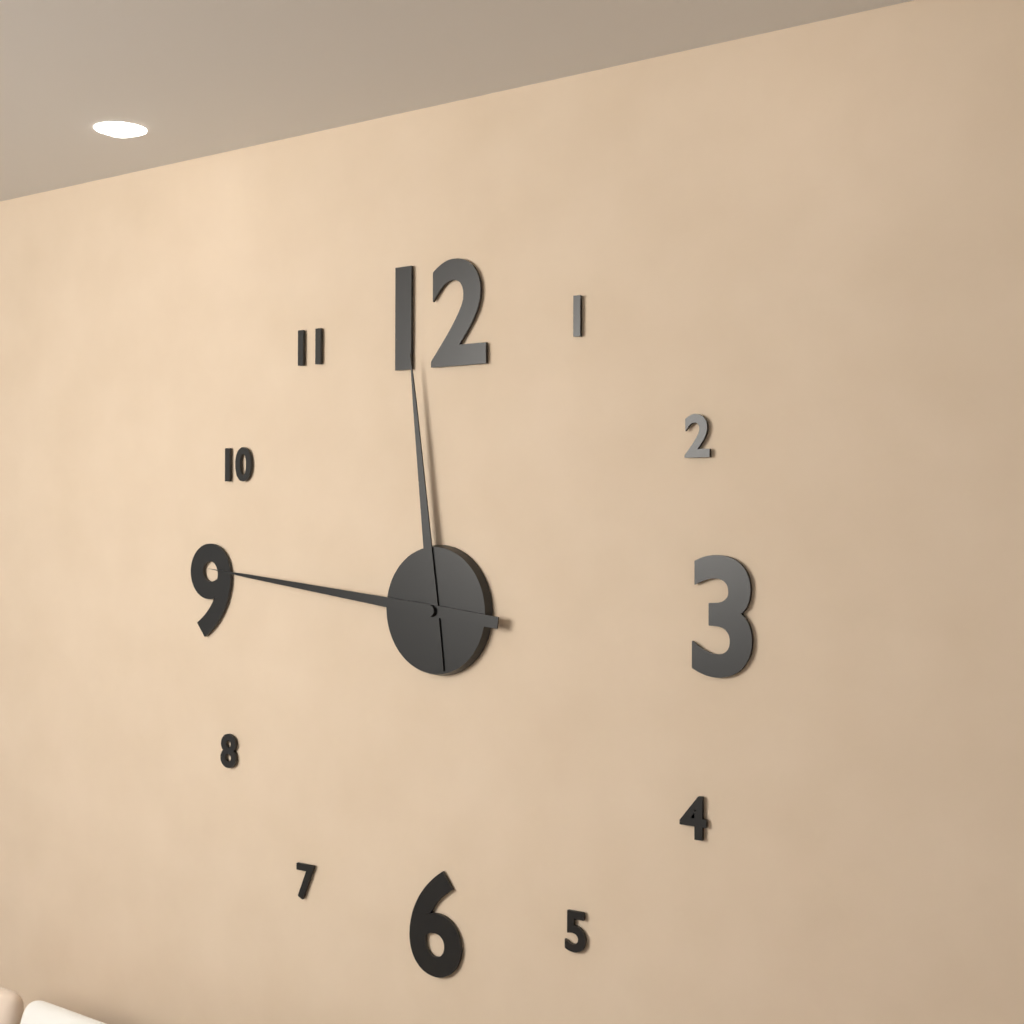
11:46
